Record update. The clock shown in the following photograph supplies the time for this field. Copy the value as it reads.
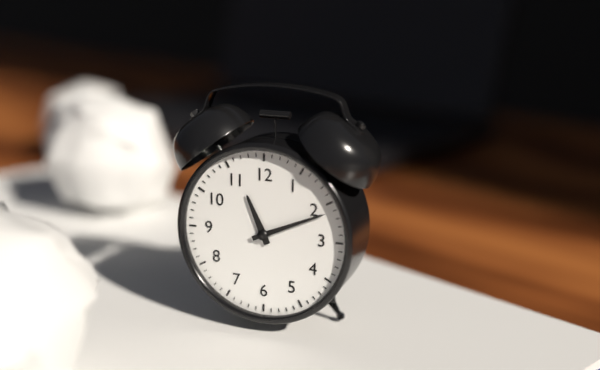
11:11
